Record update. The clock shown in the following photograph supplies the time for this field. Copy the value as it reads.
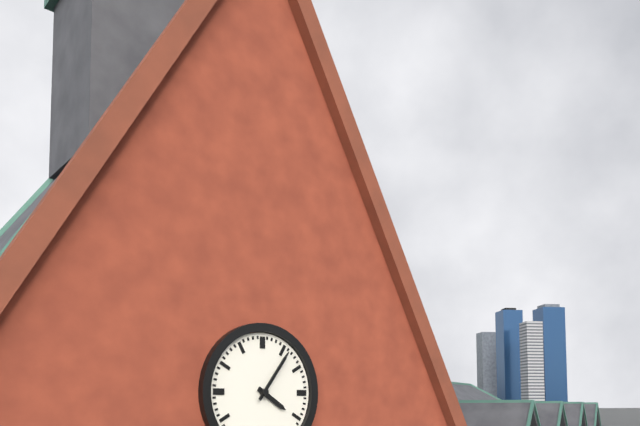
4:06
